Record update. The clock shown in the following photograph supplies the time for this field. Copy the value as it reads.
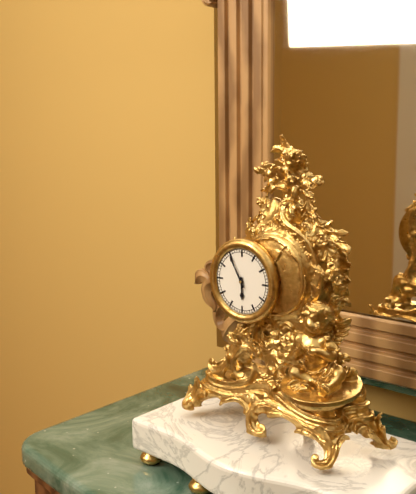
5:55
